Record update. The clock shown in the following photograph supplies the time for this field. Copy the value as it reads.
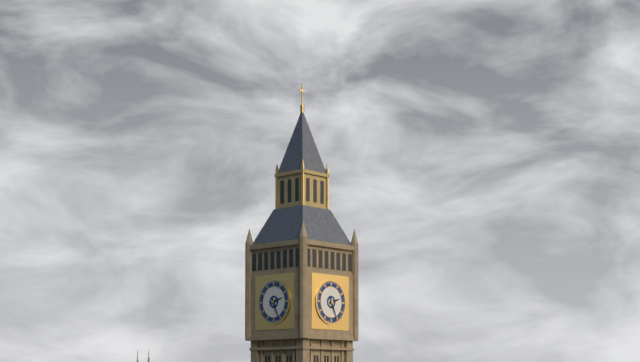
2:26
